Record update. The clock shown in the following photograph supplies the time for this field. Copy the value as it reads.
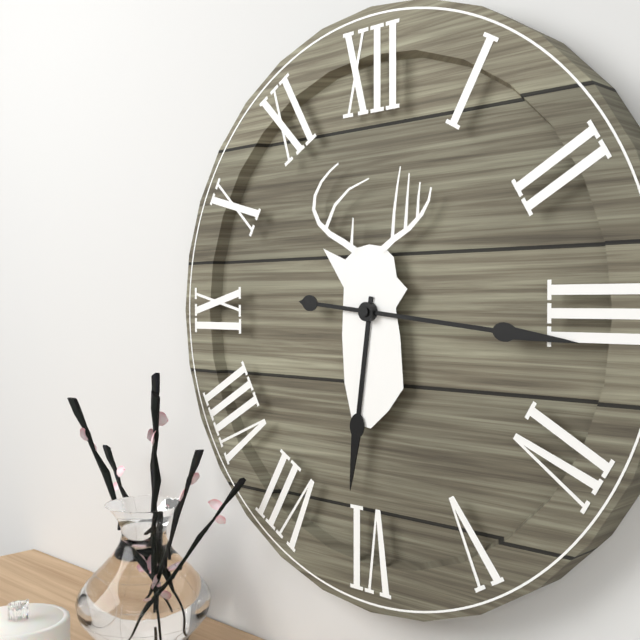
6:16
